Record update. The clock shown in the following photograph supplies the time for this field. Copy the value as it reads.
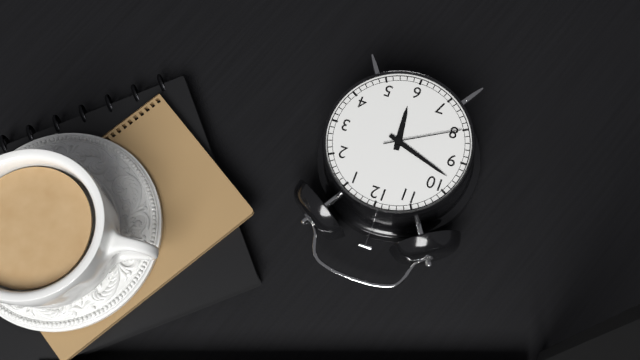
5:48:40
